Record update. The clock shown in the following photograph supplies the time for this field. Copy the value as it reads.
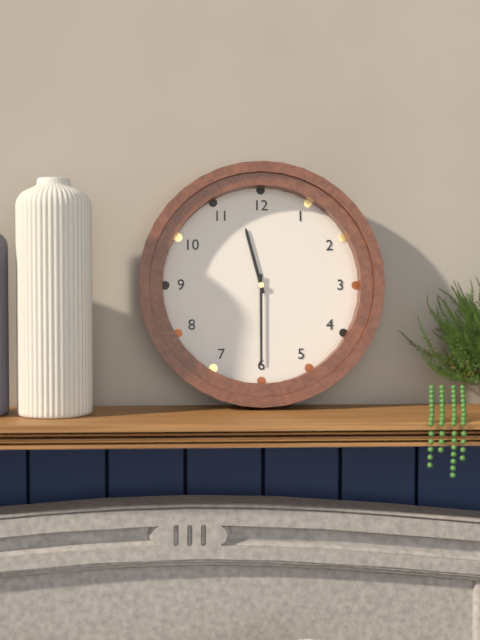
11:30
